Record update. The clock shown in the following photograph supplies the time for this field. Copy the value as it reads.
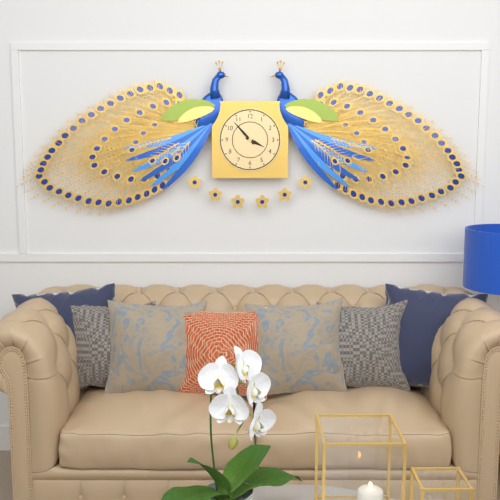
3:53
